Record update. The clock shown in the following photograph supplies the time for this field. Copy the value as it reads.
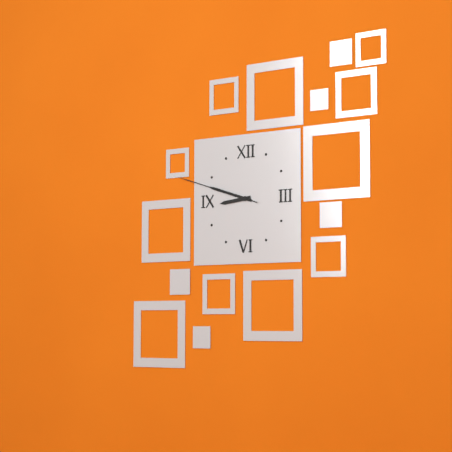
8:48:48
